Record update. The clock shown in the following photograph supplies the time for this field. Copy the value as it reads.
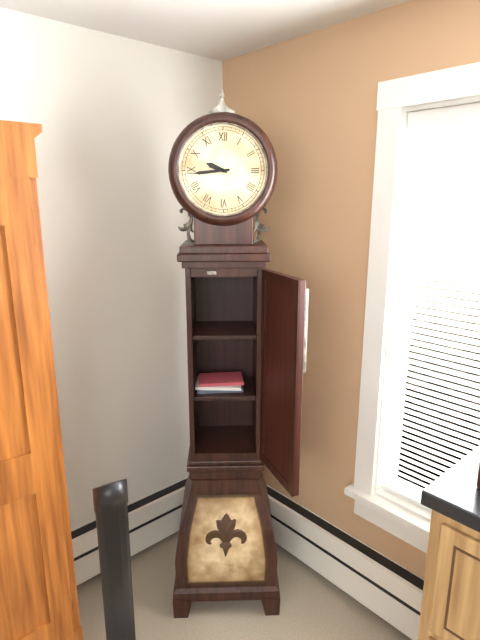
9:44
